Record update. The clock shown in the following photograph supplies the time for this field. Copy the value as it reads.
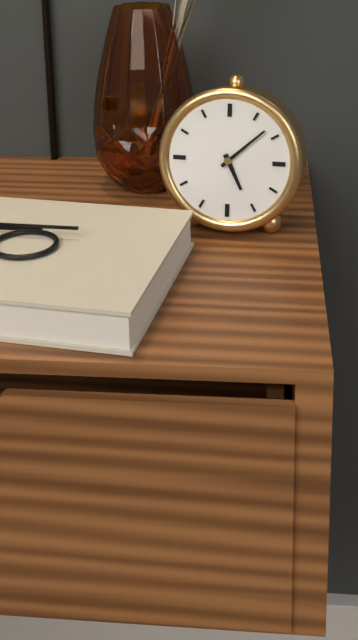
5:08
